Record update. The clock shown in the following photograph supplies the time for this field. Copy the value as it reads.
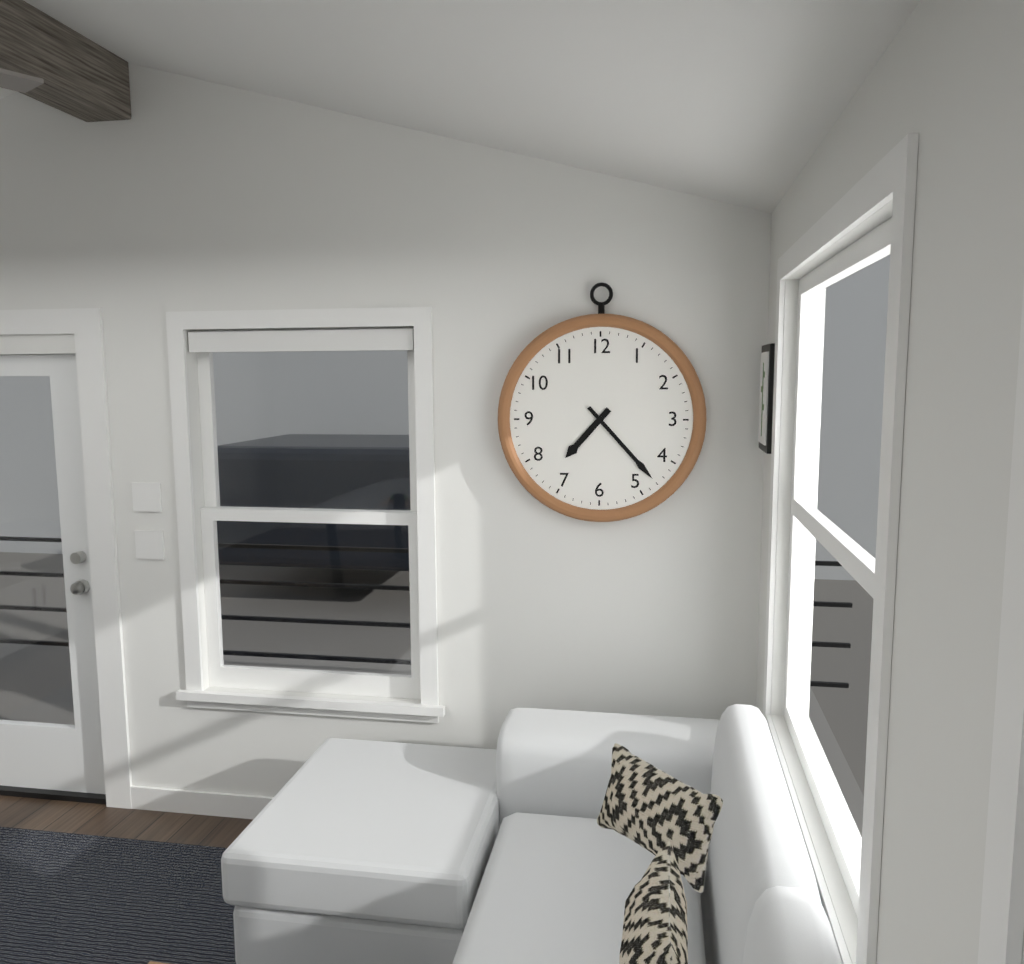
7:23
